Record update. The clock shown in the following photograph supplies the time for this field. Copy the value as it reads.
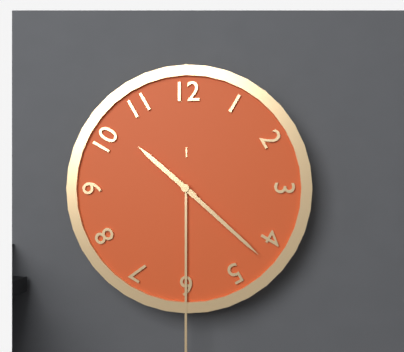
10:22
